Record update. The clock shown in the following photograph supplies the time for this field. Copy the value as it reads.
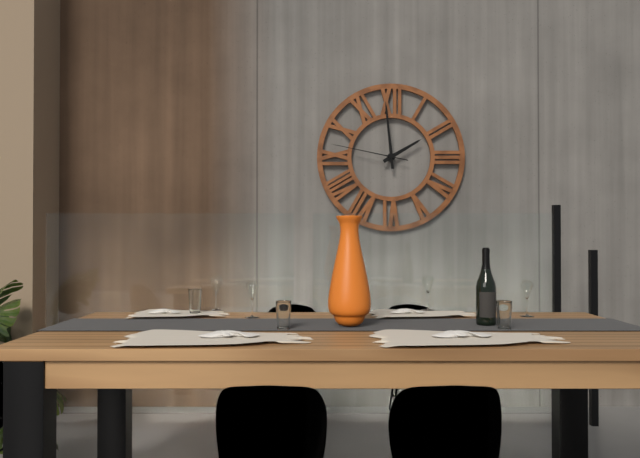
1:59:47
